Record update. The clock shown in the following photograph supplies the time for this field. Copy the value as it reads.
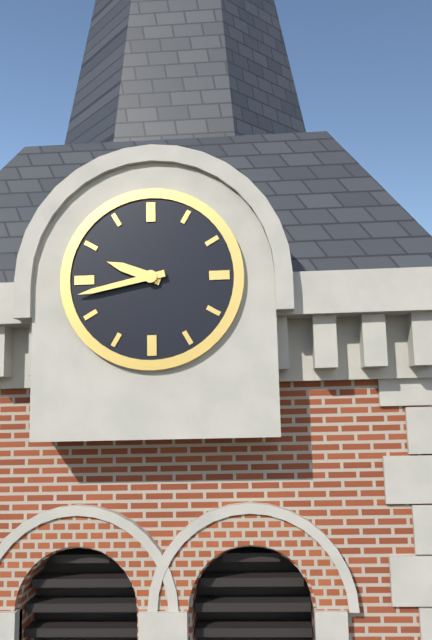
9:43
